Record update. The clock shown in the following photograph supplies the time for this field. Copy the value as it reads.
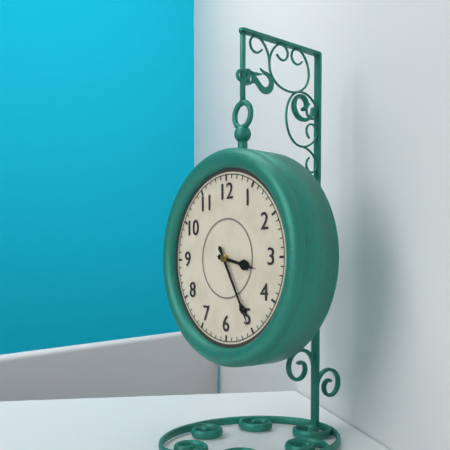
3:25
